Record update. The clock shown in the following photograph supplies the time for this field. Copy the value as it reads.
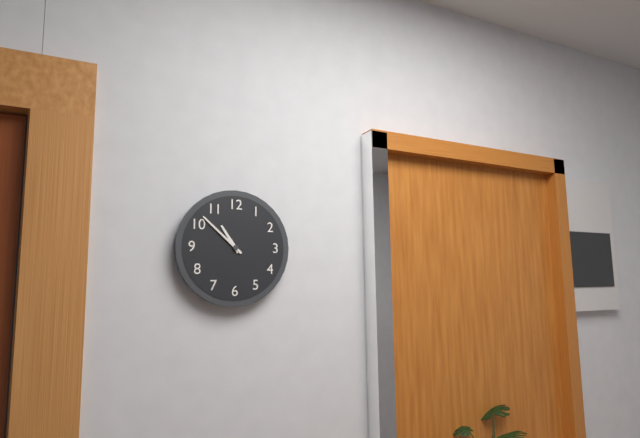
10:52
